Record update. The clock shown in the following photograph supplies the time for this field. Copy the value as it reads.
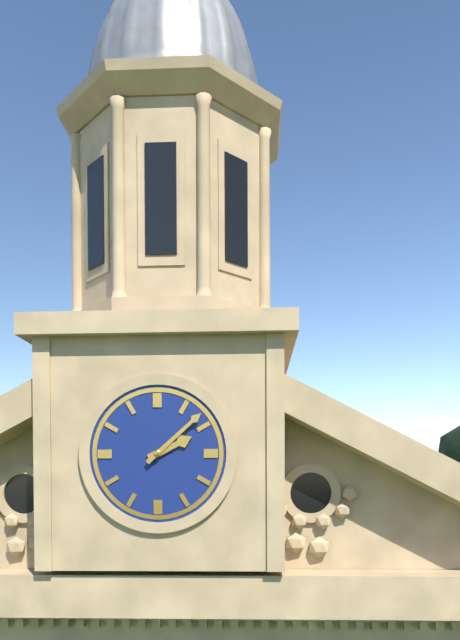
2:08
